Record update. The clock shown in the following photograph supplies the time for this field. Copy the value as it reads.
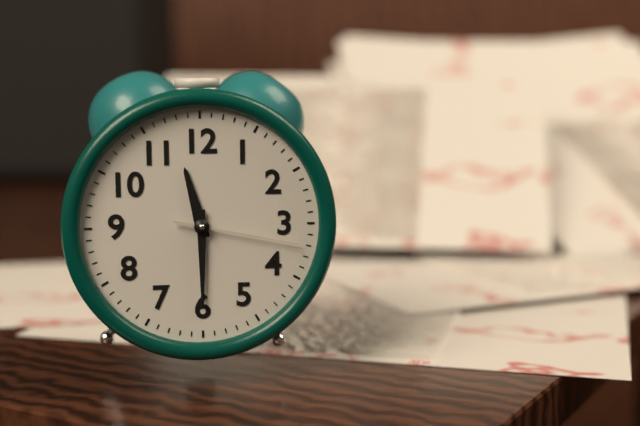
11:30:17
